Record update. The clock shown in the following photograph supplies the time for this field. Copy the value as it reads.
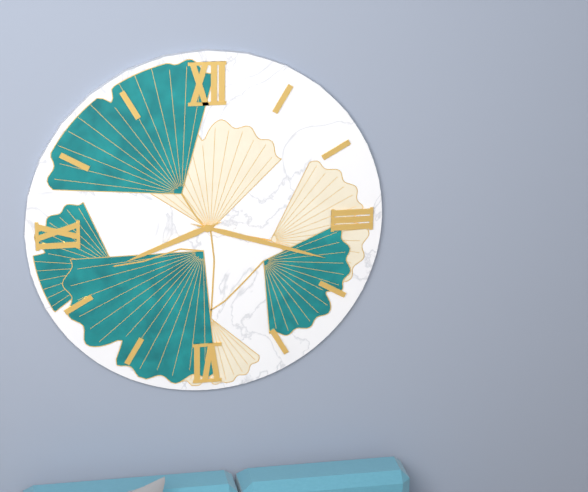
8:18
